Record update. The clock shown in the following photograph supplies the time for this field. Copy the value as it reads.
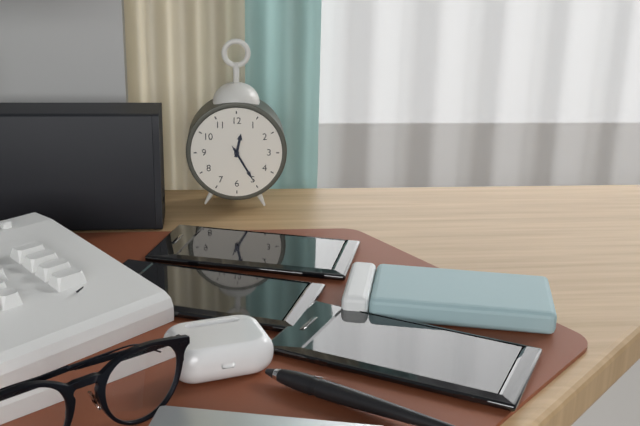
12:25
